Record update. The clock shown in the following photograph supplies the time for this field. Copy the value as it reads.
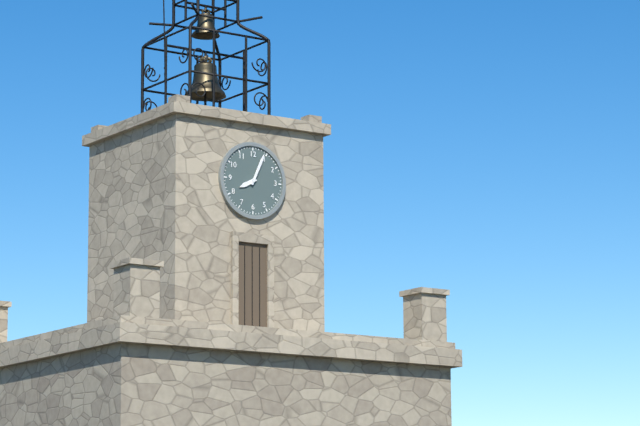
8:04
